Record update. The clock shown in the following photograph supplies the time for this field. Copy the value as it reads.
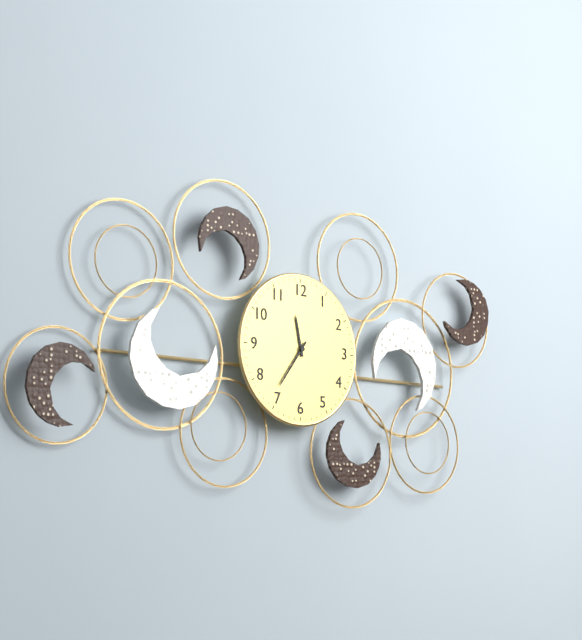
11:36
